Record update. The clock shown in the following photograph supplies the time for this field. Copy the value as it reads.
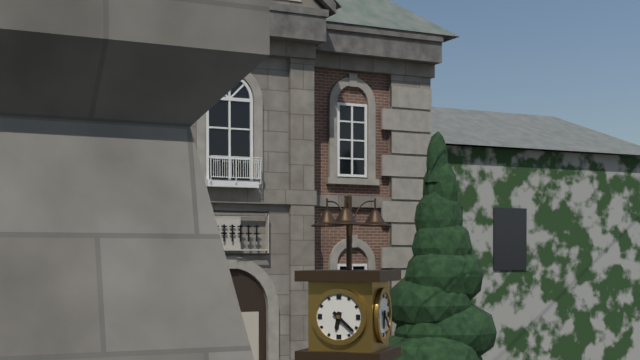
6:22
